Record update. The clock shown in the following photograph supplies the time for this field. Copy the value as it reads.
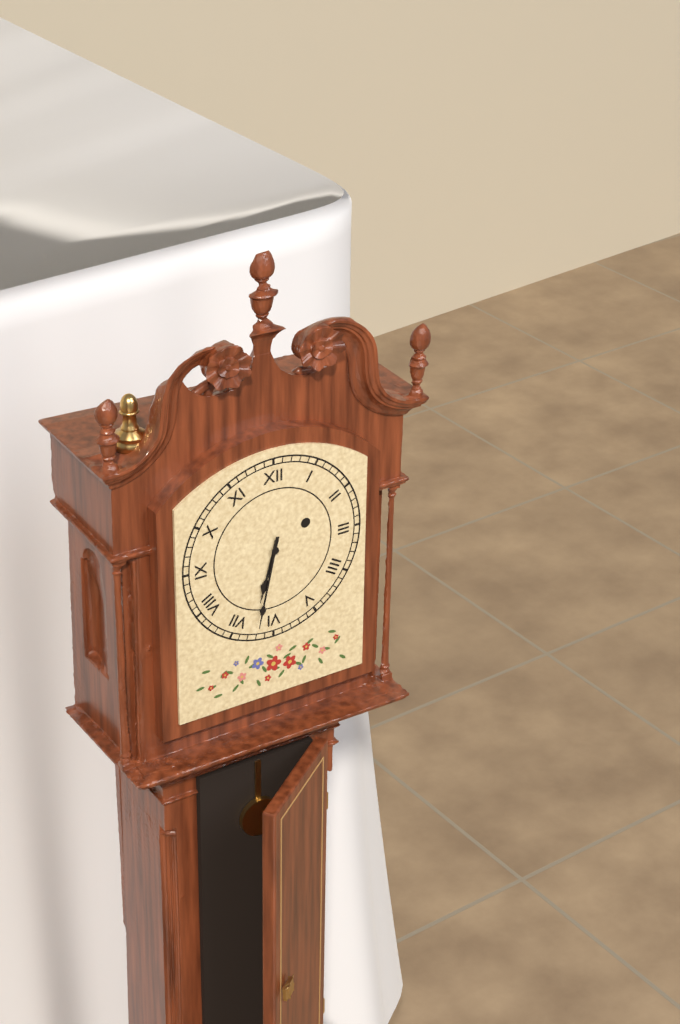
6:32
